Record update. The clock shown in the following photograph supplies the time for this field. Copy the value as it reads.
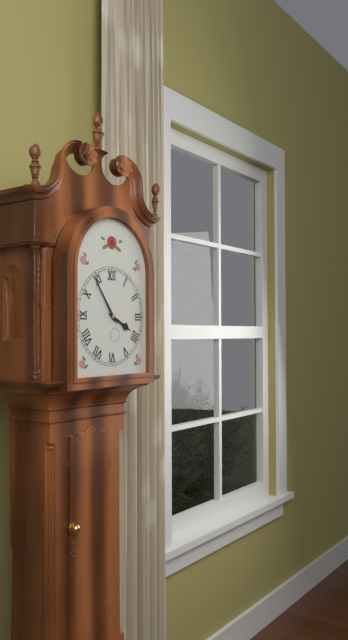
3:54
